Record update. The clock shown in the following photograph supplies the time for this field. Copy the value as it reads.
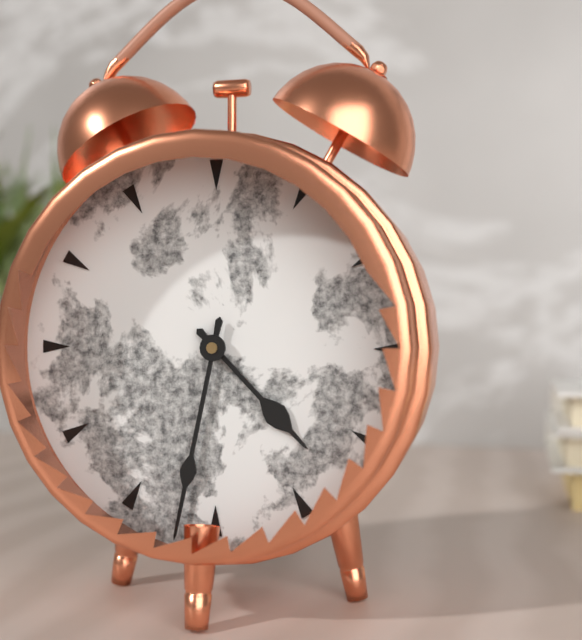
4:32
